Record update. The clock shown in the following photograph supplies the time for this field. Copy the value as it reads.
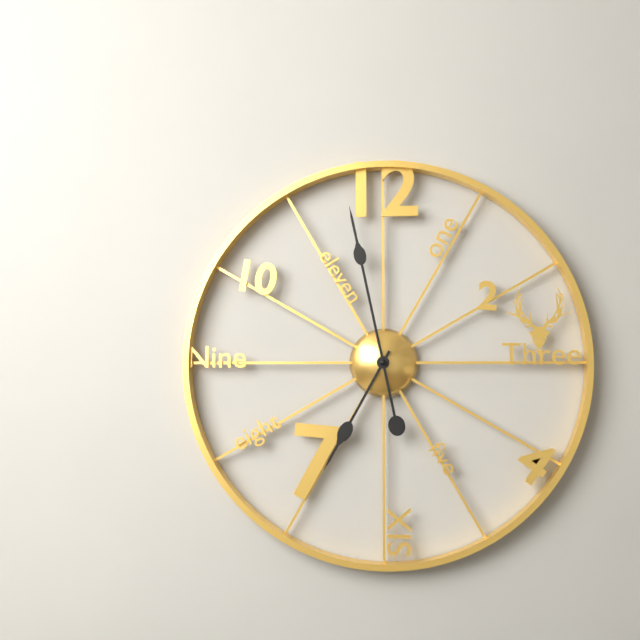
6:58
